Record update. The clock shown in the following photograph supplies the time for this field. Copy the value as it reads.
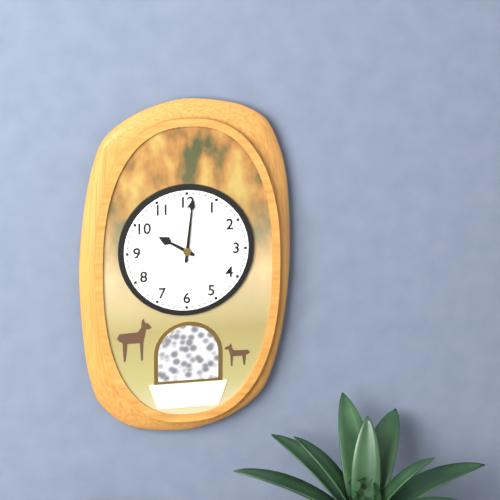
10:01
